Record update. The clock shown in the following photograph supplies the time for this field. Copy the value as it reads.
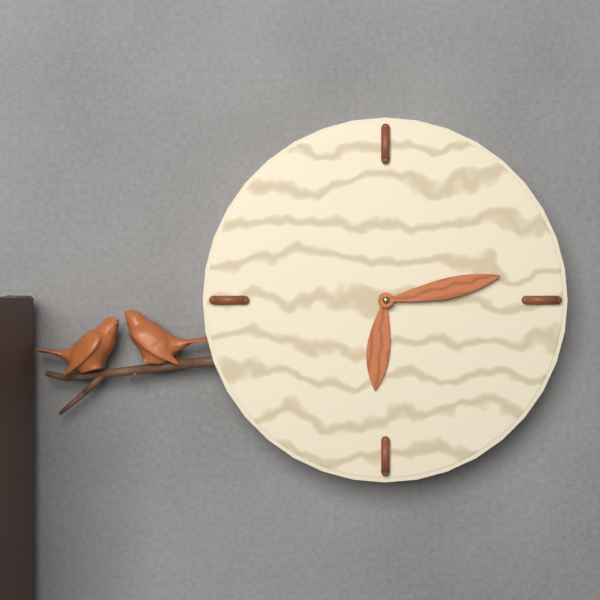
6:13
